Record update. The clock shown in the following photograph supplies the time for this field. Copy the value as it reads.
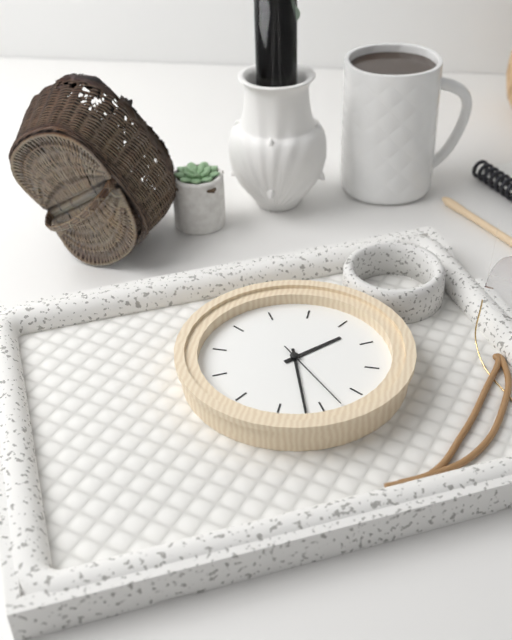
1:27:23
